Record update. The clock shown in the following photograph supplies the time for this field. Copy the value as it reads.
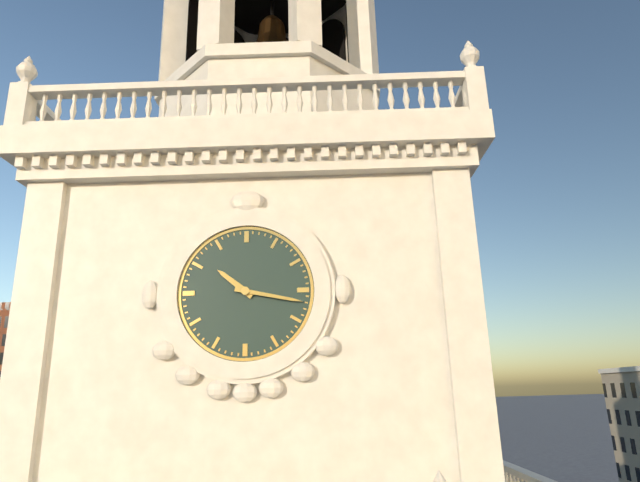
10:17
